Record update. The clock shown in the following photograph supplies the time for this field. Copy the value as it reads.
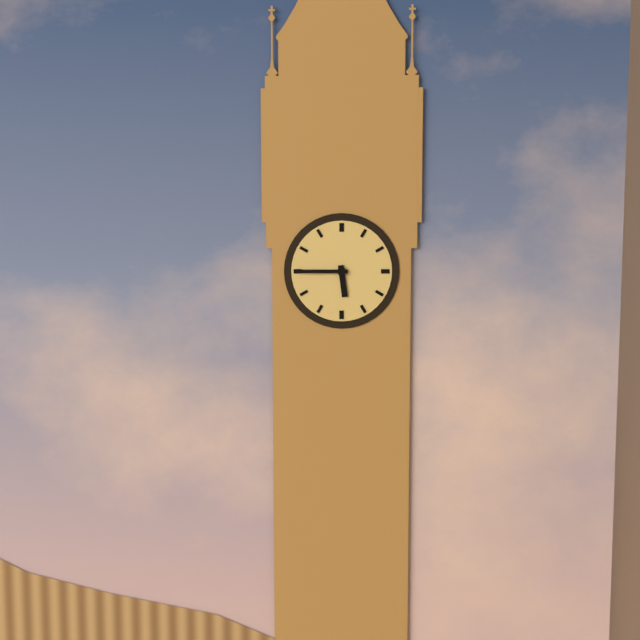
5:45
